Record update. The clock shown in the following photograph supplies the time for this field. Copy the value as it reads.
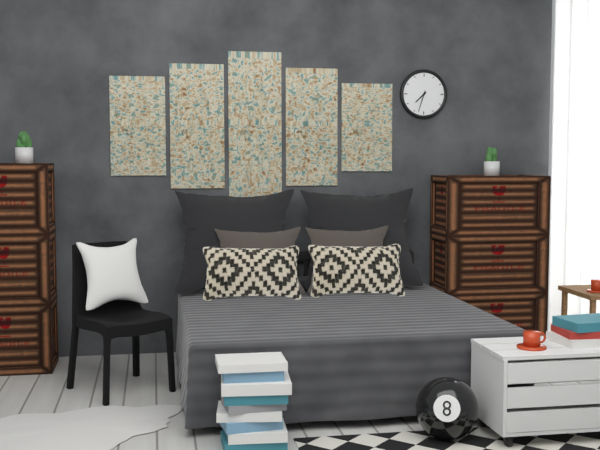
7:33
